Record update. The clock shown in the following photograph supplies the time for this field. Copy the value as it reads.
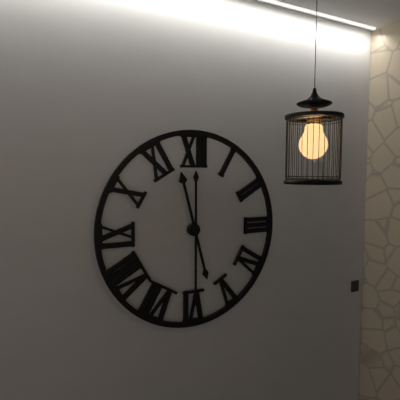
11:30
